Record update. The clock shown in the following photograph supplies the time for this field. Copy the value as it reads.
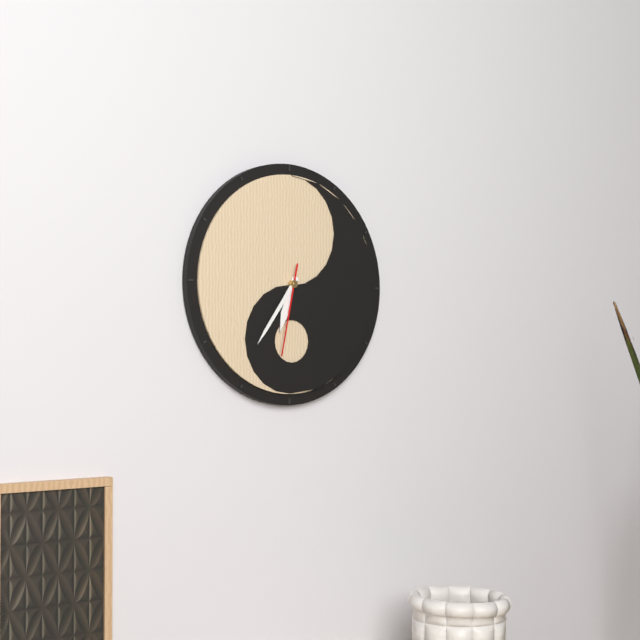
6:36:32
